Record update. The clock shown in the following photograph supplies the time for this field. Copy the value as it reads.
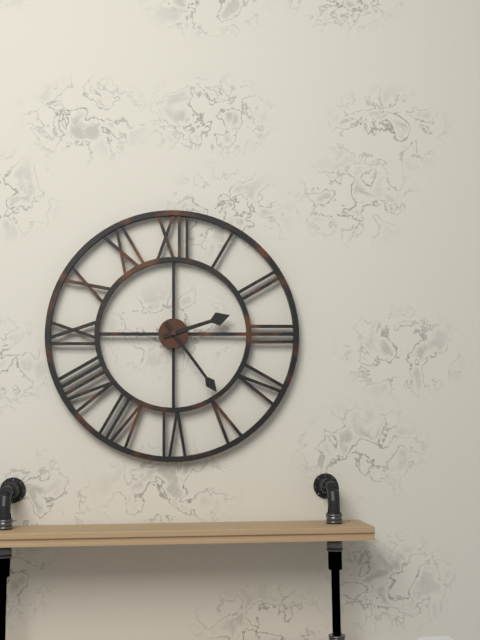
2:24
